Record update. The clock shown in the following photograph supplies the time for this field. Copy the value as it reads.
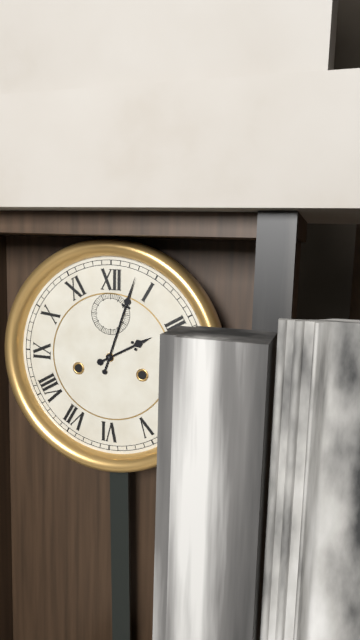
2:03
